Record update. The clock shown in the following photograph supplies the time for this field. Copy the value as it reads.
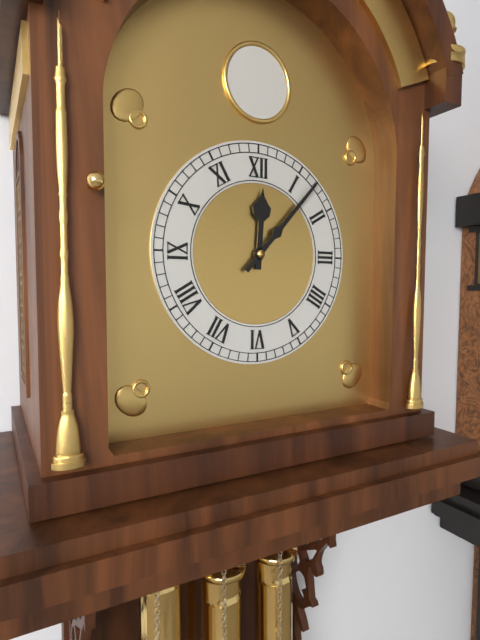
12:07
